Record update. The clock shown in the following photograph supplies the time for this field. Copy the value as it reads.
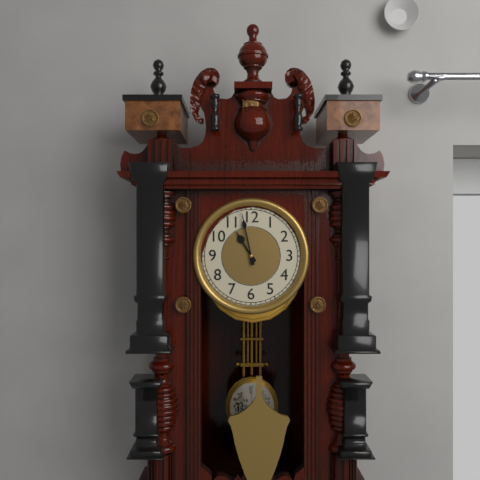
10:58
